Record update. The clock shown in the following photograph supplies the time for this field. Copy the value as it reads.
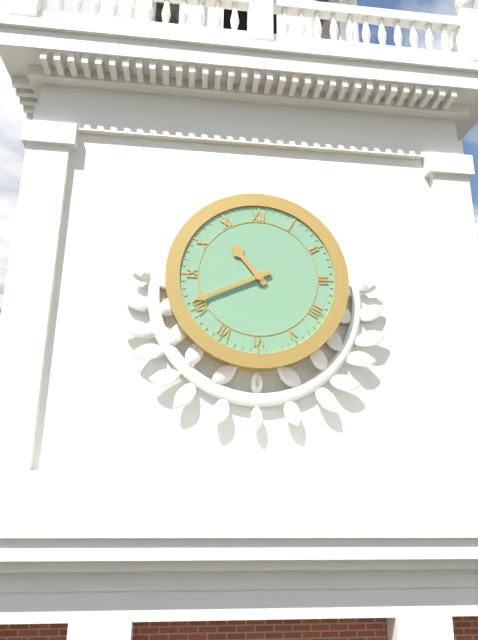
10:41
